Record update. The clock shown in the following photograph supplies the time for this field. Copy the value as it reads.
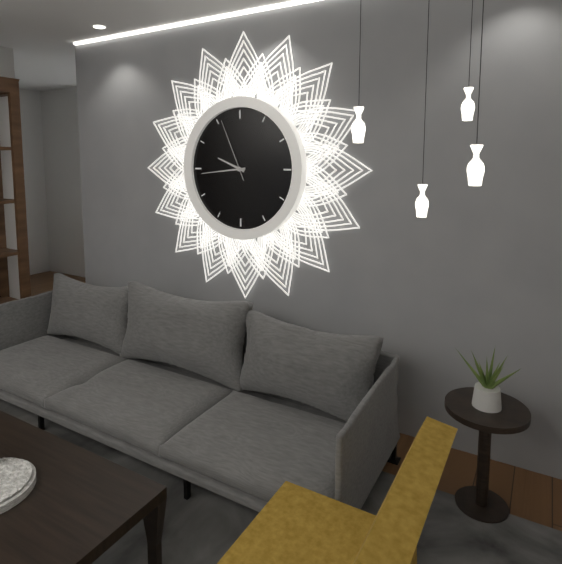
9:44:56
